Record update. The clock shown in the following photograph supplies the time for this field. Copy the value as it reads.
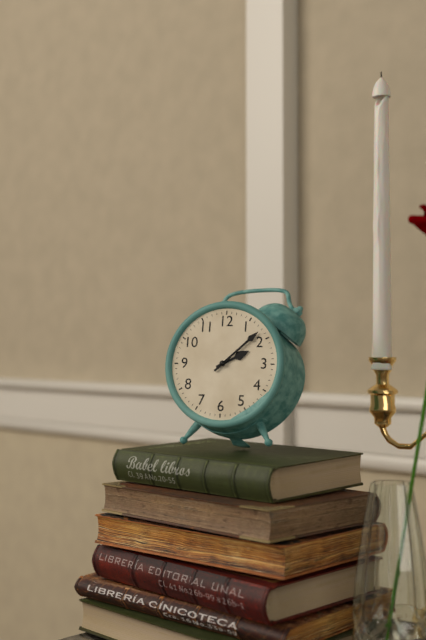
2:08
